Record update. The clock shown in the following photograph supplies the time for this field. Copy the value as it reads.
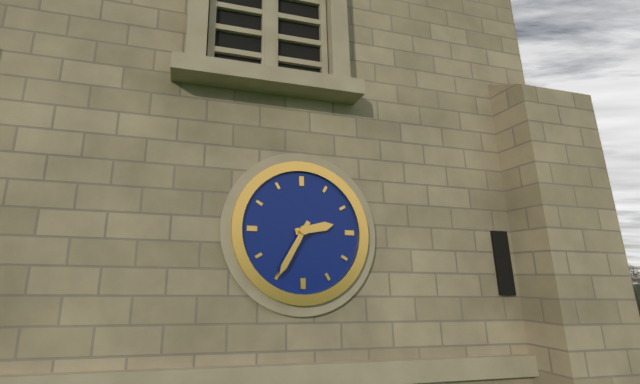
2:35
